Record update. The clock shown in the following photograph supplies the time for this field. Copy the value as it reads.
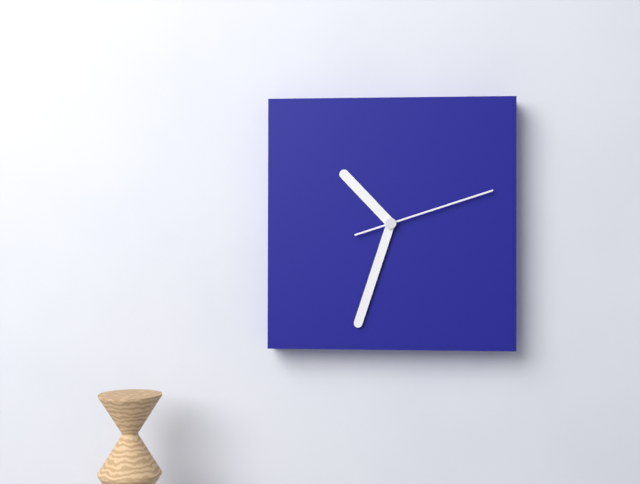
10:33:12
